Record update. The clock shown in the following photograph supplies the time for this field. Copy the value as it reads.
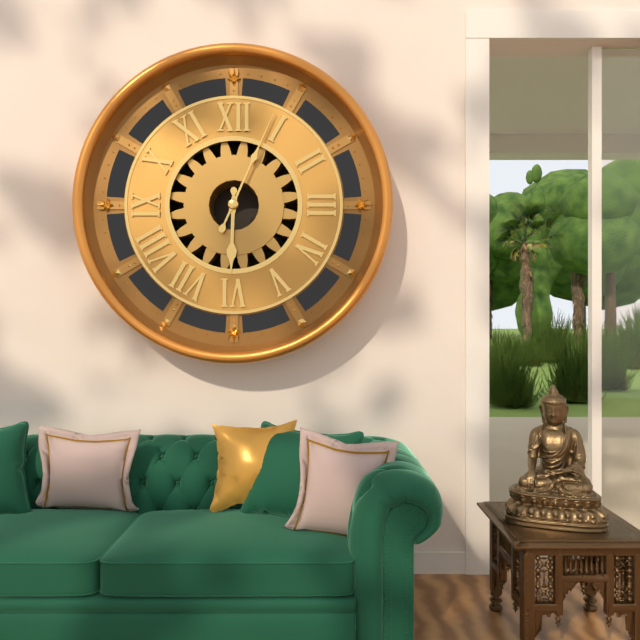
6:04
